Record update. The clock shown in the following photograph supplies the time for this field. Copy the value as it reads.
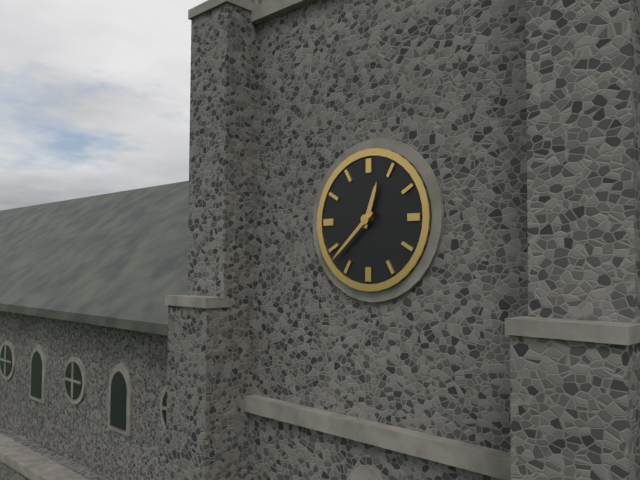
12:38
